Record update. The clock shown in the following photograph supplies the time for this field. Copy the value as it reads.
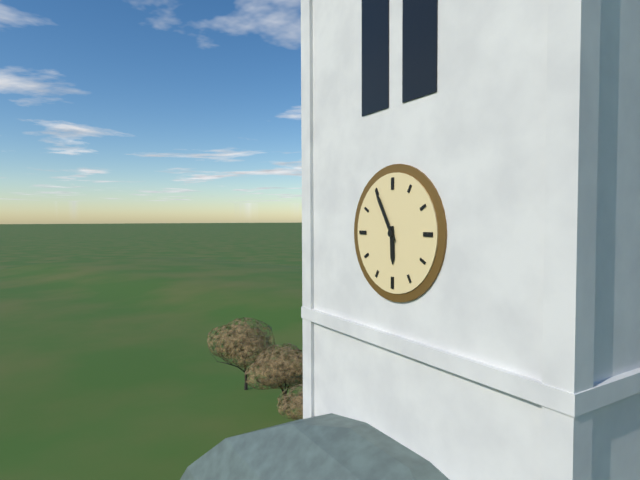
5:55
